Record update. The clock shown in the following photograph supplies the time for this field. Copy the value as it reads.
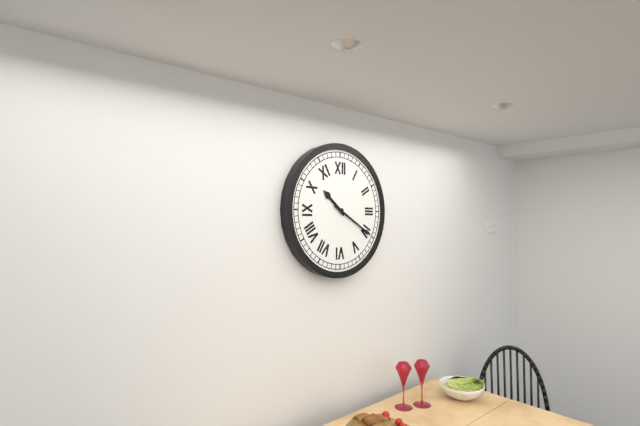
10:20
